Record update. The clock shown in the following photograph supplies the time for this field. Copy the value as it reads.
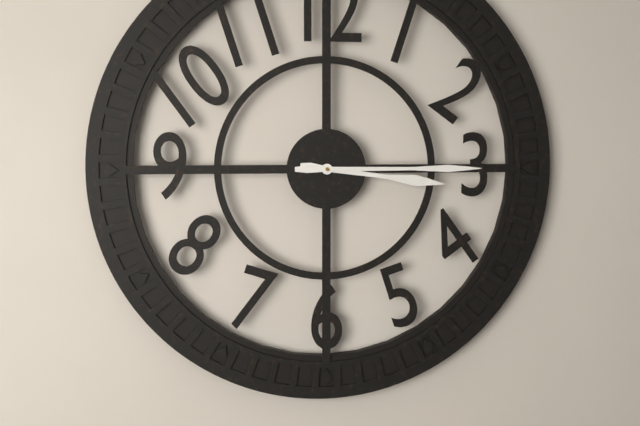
3:15
